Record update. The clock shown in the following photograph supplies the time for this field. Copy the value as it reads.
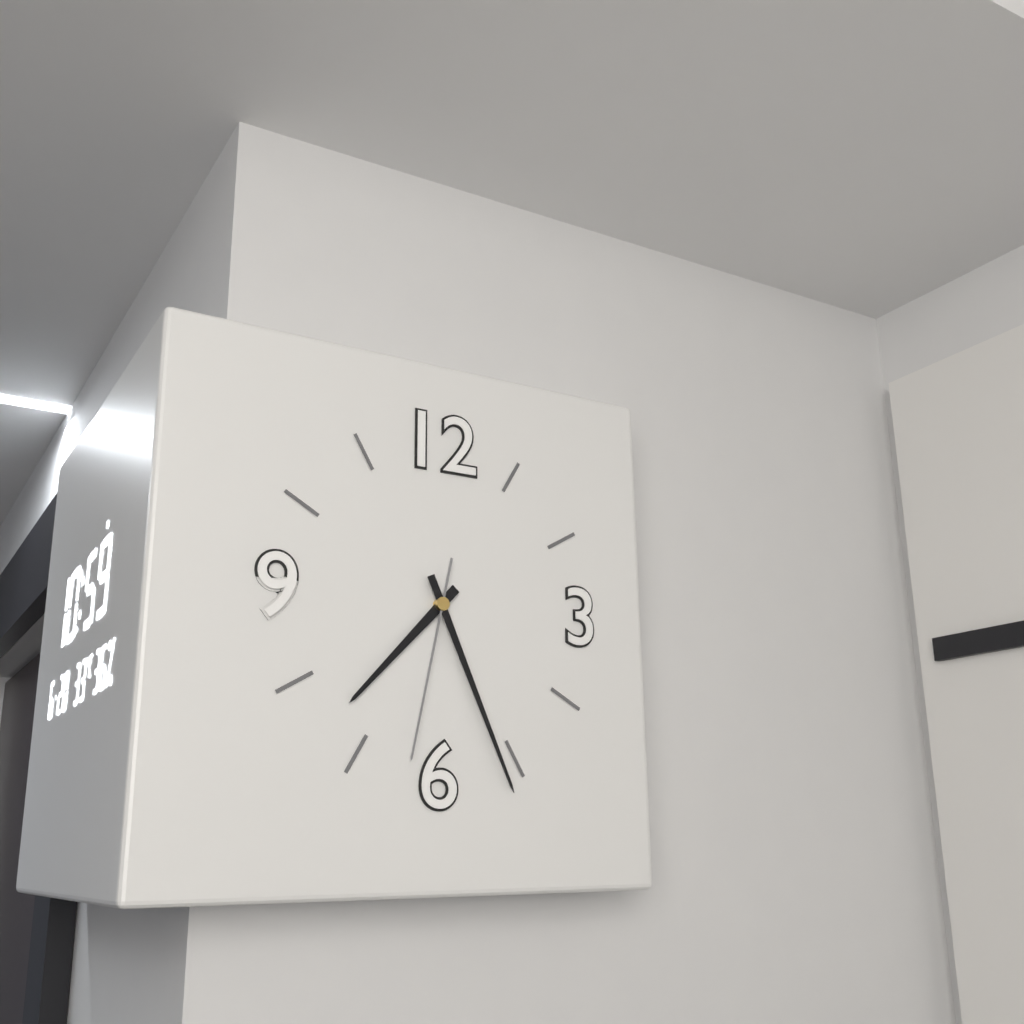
7:26:32
